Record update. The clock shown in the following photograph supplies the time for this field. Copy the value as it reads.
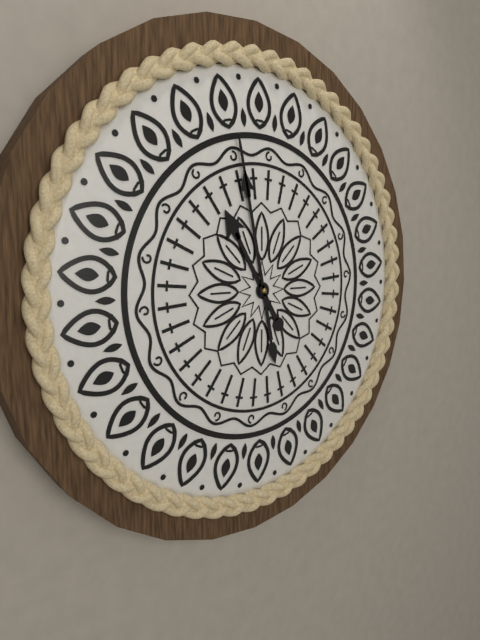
10:58
